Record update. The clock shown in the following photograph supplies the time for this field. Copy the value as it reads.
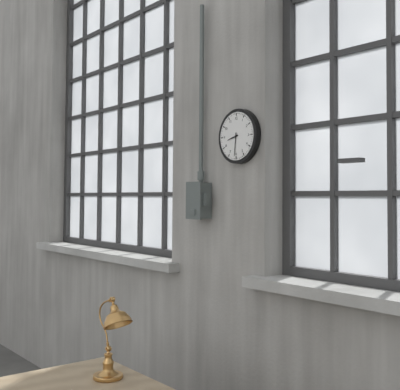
8:31
